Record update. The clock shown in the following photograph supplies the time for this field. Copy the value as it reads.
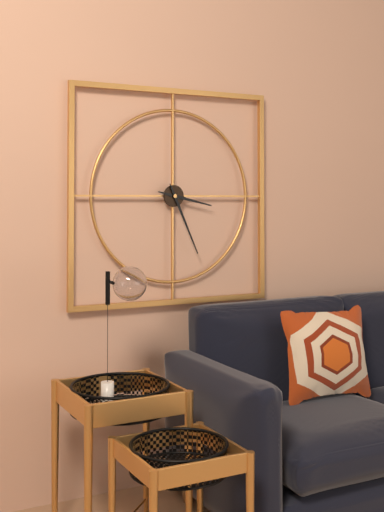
3:26
